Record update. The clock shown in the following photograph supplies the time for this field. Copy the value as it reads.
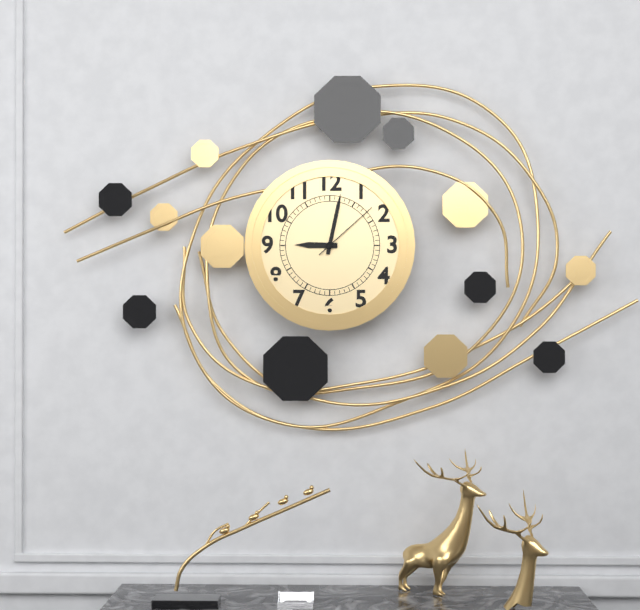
9:02:08
